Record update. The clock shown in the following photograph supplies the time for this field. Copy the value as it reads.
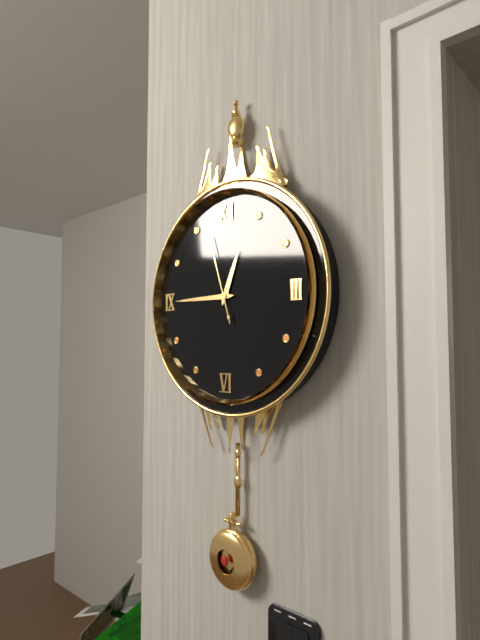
12:45:57
